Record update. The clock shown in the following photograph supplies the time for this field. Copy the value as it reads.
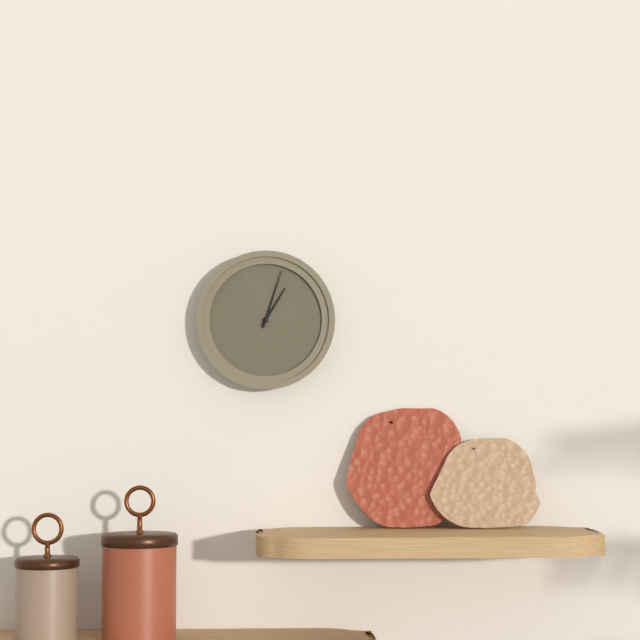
1:03
